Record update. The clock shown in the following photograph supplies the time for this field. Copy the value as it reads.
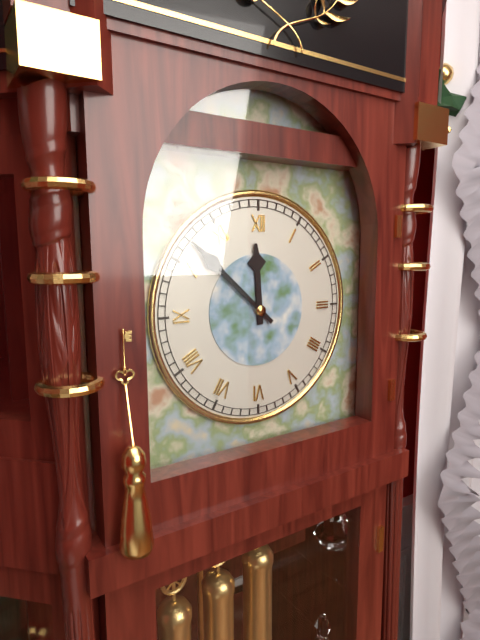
11:52
